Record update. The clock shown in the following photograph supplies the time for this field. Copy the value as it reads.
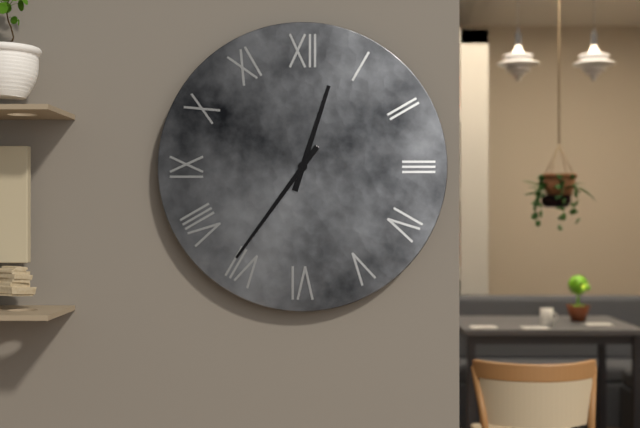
12:36
